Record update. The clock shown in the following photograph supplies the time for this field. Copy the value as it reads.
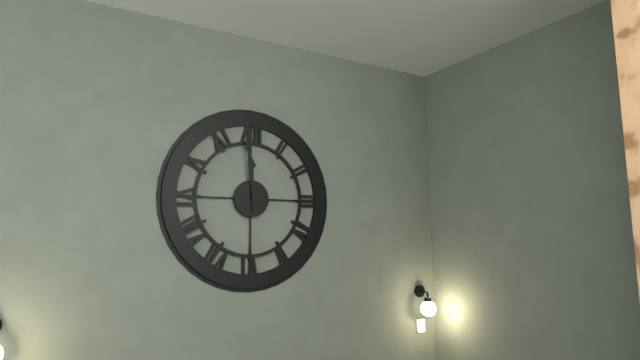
11:59
